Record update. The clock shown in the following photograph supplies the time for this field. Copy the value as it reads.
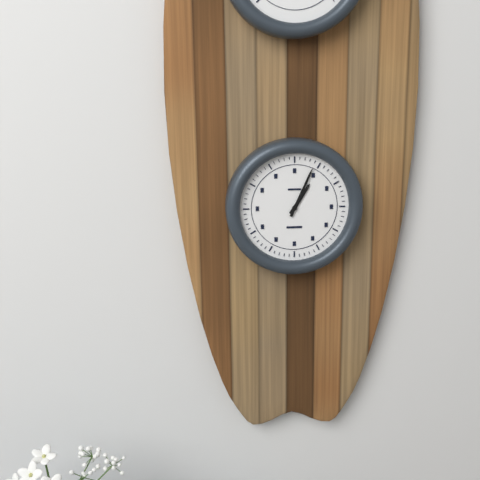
1:04
